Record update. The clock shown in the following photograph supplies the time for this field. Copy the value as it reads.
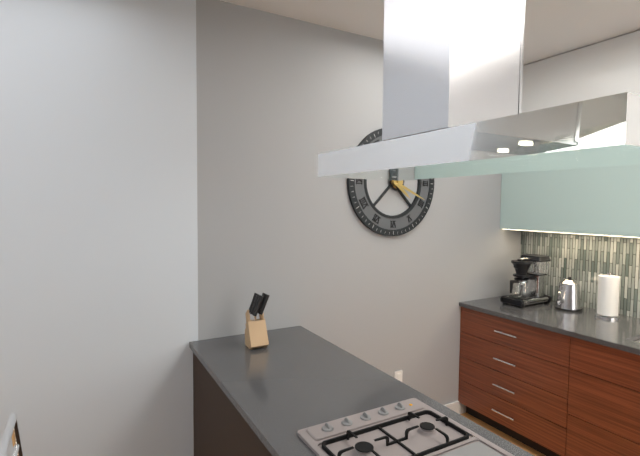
4:19
